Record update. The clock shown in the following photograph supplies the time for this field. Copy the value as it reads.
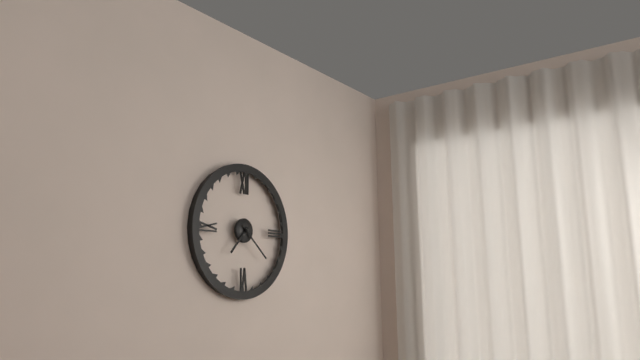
7:22
